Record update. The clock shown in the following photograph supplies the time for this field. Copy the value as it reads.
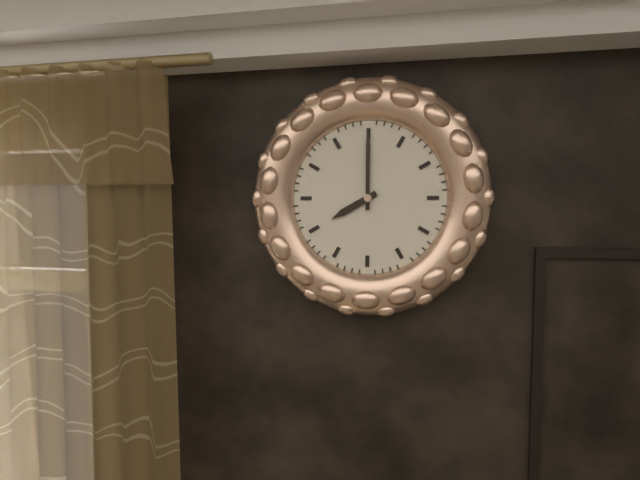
8:00
